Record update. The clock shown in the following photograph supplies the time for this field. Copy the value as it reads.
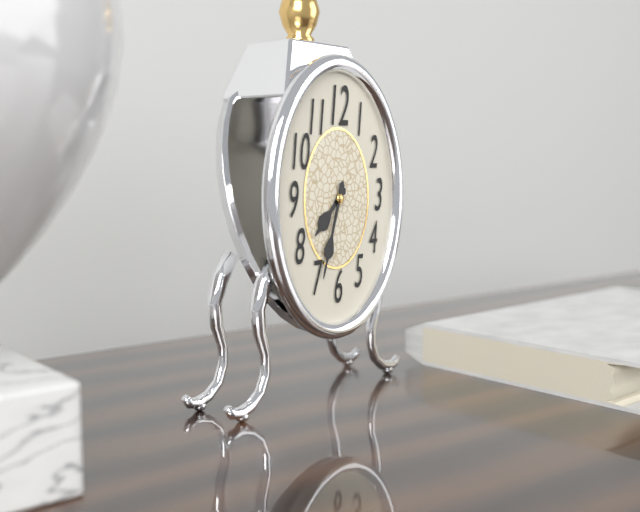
7:33
